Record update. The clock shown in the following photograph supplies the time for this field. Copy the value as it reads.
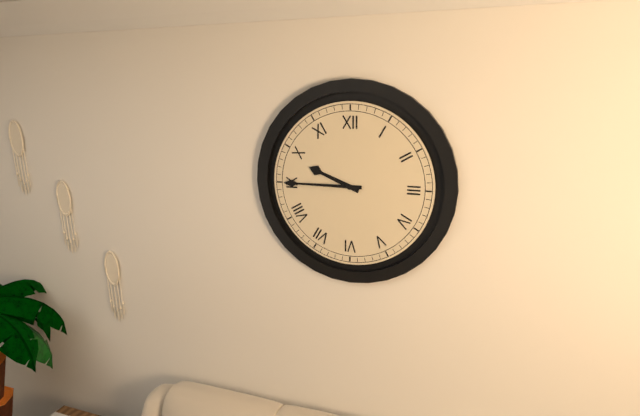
9:45
